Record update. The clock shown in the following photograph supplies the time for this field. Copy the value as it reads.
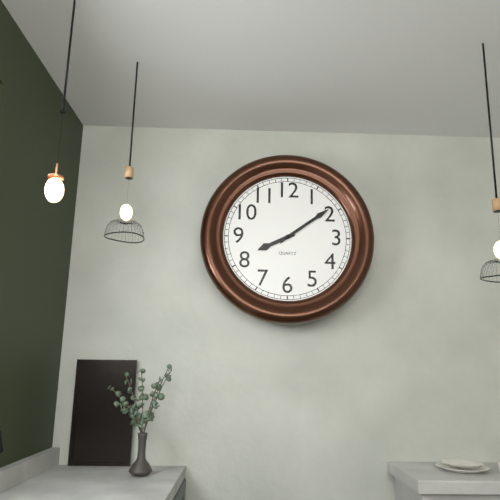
8:09
